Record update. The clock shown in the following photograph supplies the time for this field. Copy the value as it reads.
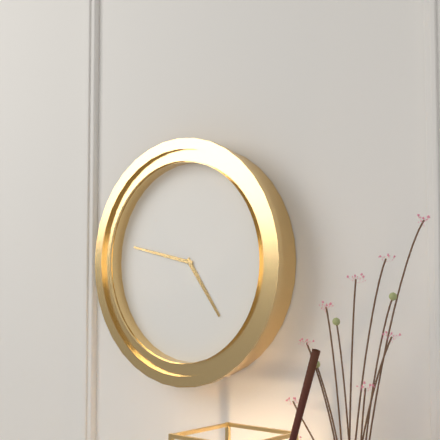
4:47
